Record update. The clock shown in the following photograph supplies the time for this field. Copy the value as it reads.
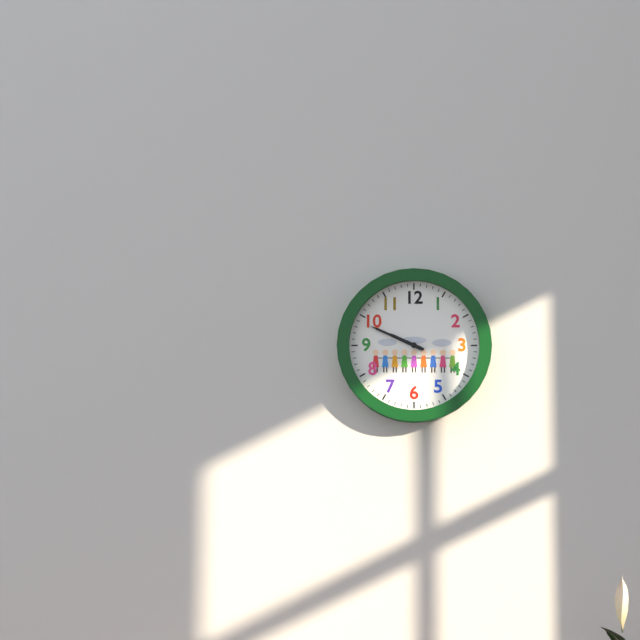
9:49
